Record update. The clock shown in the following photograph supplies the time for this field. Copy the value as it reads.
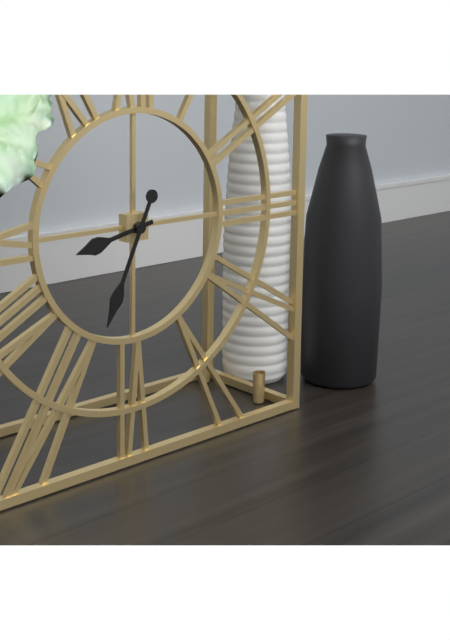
8:34
